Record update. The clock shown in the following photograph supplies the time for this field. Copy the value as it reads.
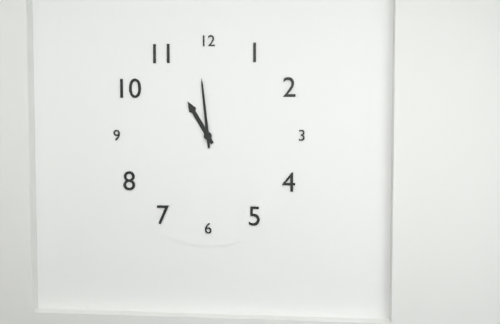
10:59
